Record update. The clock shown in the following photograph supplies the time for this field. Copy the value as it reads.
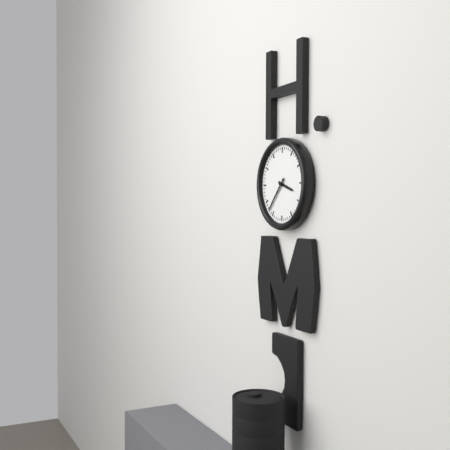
3:37
